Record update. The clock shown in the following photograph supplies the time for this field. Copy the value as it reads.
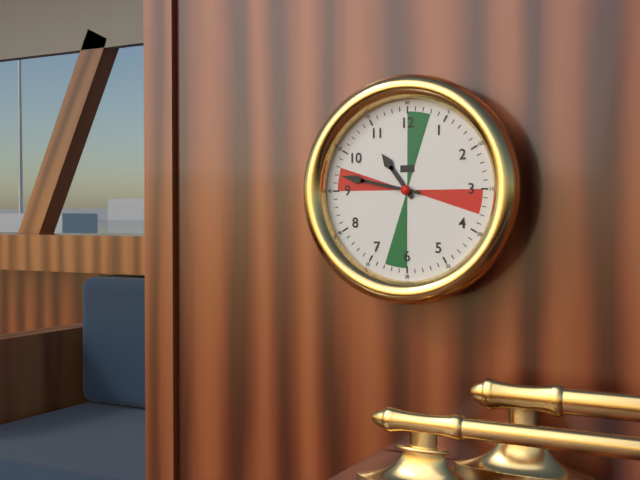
10:47
